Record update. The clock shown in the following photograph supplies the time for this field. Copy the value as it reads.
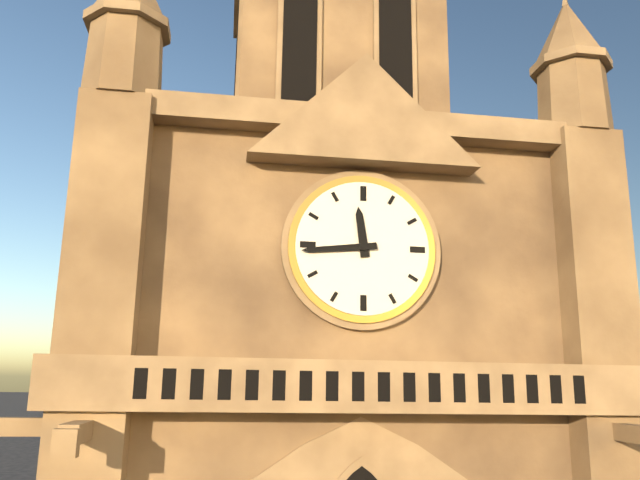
11:44
